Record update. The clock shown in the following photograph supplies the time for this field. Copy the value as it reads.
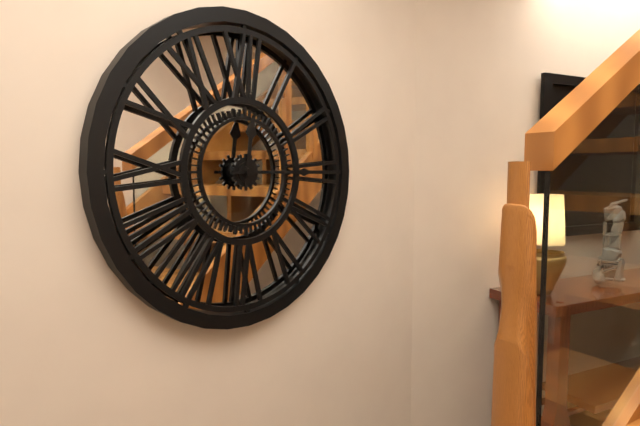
12:15
